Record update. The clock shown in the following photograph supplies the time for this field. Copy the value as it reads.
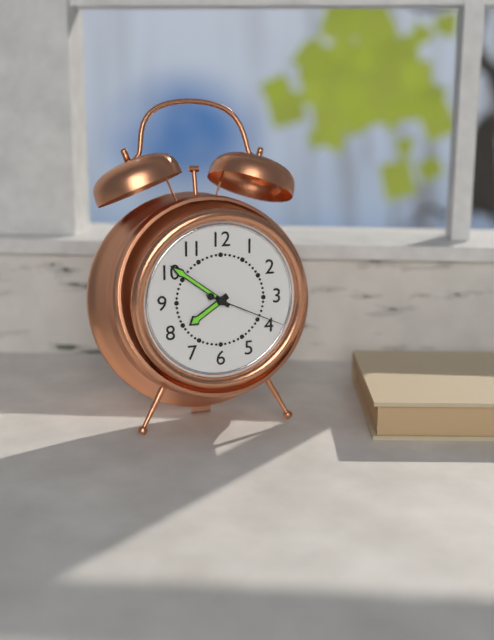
7:51:19
